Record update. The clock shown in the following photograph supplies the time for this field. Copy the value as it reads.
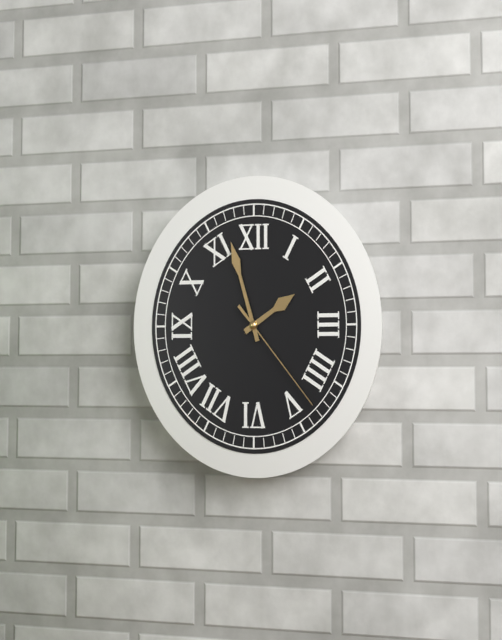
1:57:23
